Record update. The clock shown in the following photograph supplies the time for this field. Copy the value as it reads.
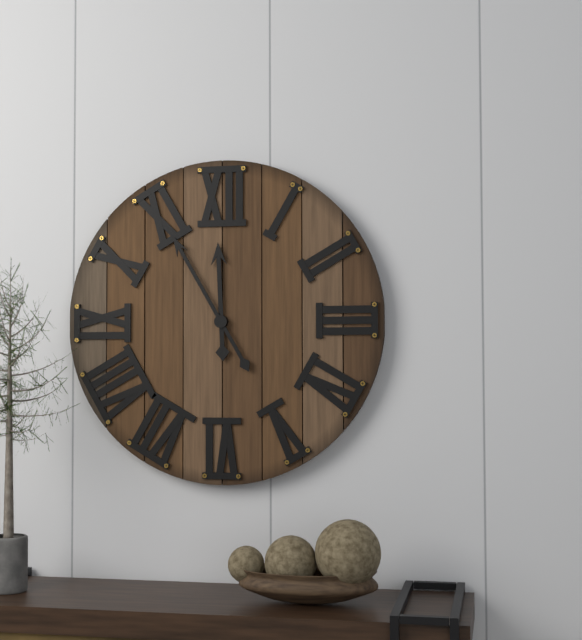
11:55
